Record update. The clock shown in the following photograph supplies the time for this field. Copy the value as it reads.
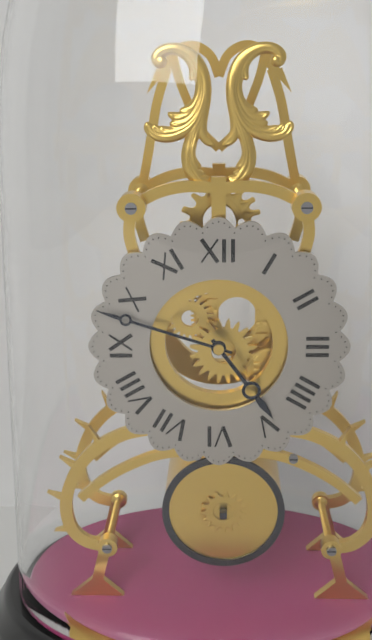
4:48
